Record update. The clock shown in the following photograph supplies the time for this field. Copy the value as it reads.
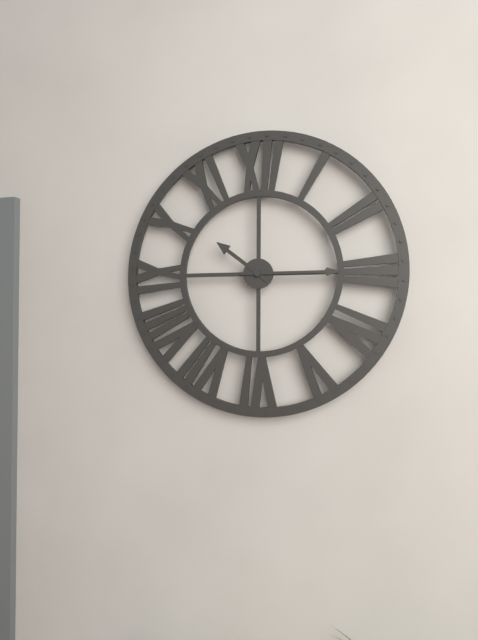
10:15
